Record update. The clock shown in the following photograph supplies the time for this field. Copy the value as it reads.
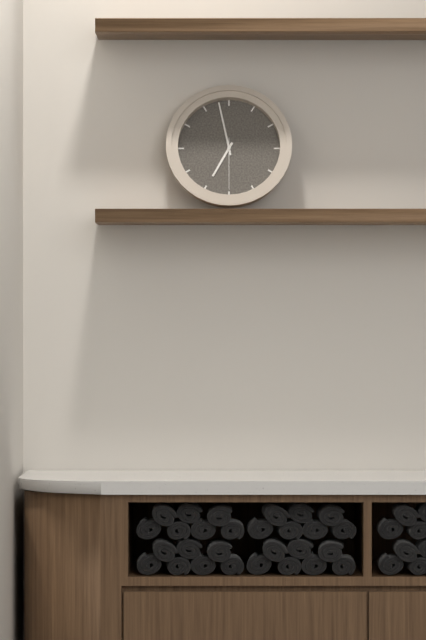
6:58:30
